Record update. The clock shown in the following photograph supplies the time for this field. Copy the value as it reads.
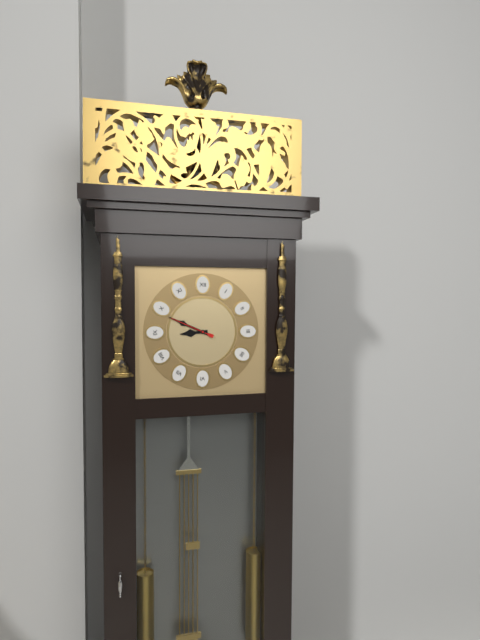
8:49
